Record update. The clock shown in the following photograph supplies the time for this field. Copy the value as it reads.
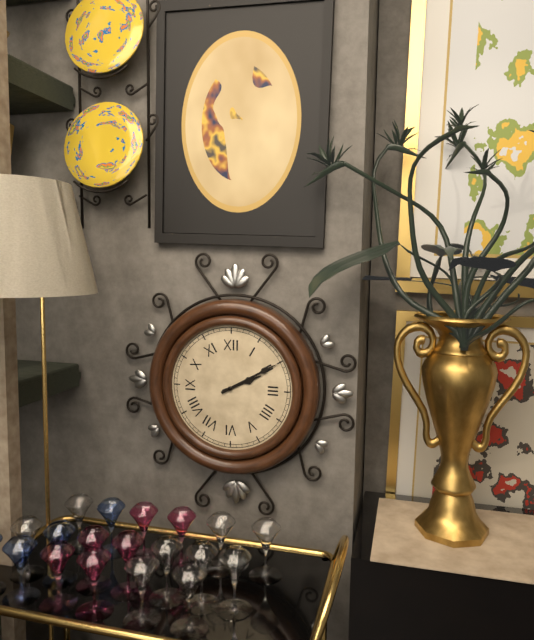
2:10
